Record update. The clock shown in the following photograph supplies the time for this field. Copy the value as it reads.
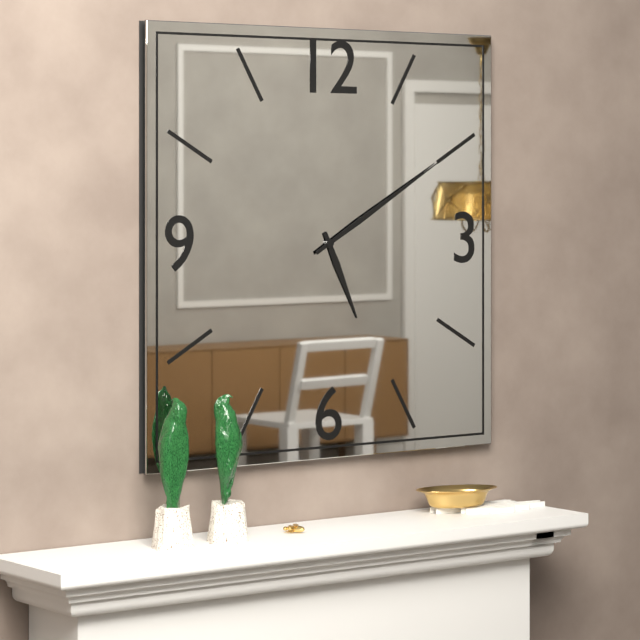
5:10
